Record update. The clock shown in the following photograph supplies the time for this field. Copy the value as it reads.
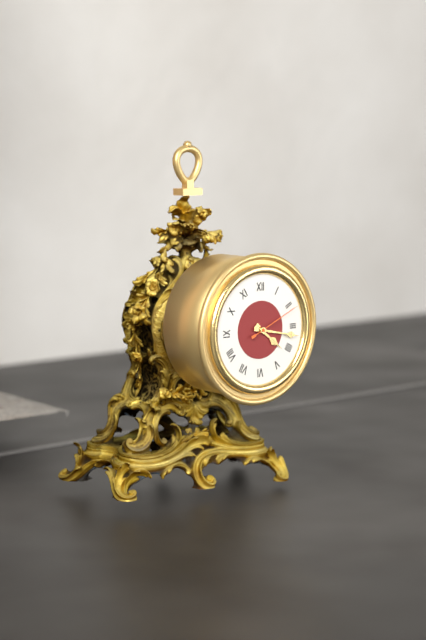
4:17:11
